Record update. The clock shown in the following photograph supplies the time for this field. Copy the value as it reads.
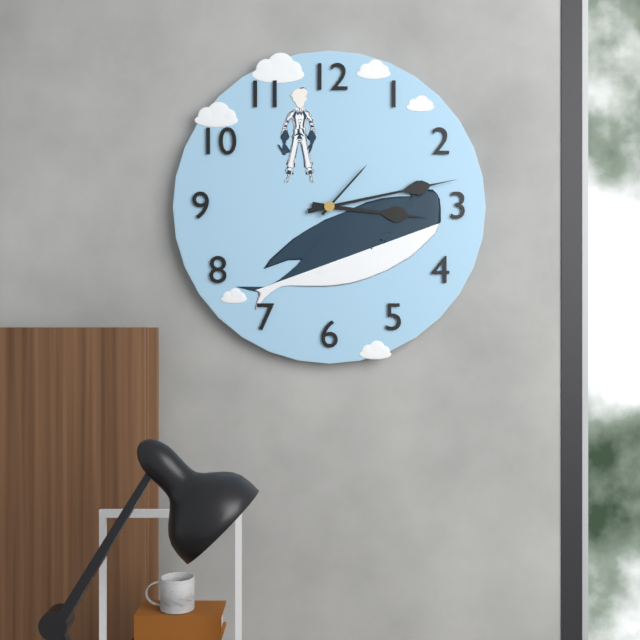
3:13:07
